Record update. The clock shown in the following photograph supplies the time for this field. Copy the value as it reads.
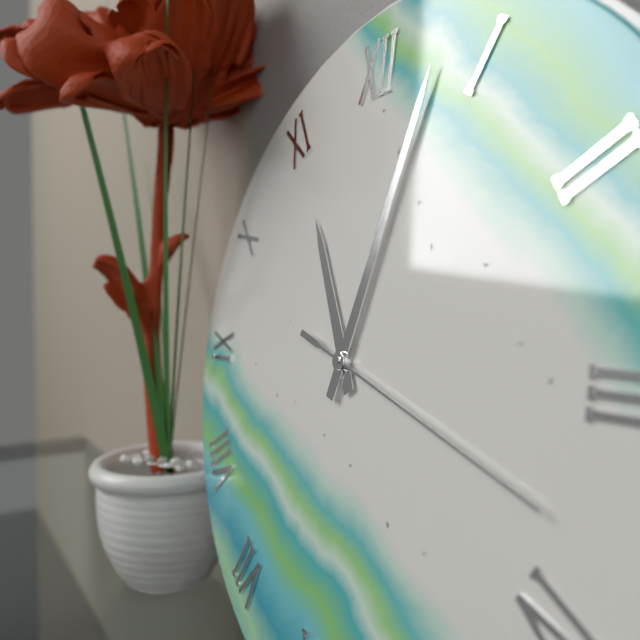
11:03:18
